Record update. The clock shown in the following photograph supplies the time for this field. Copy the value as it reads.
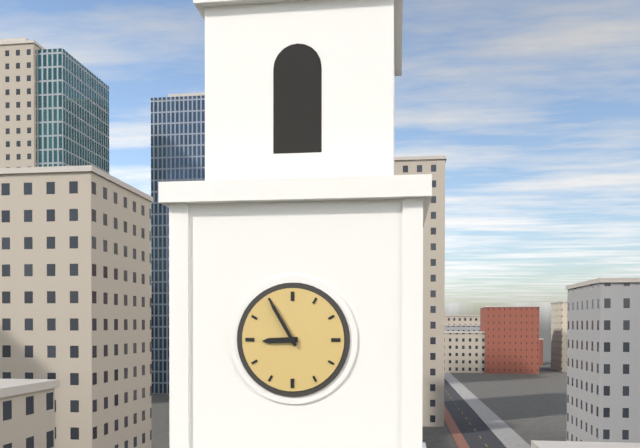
8:55
